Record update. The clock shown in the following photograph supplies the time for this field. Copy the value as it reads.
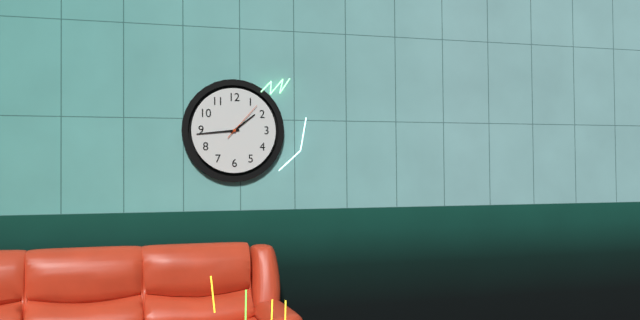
1:44
